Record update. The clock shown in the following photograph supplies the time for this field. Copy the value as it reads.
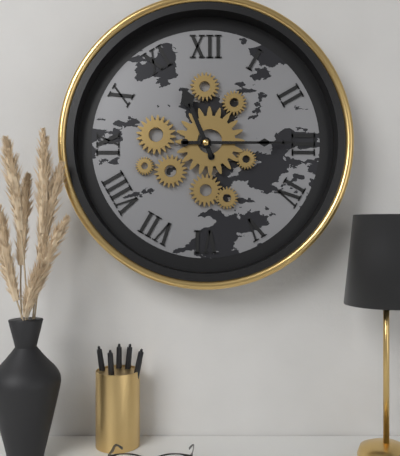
11:15
